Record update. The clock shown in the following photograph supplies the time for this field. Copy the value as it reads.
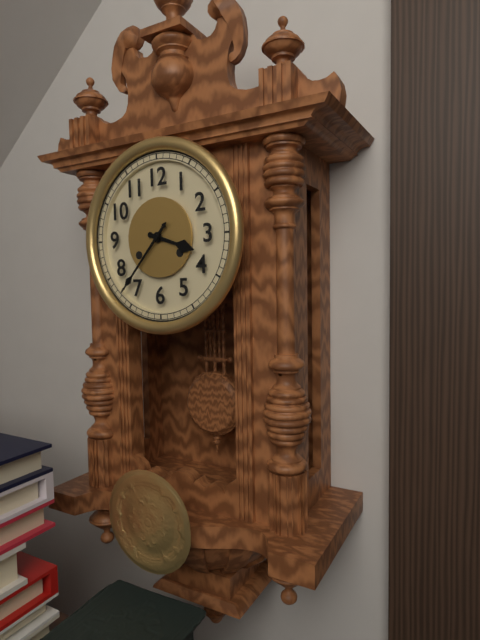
3:37
